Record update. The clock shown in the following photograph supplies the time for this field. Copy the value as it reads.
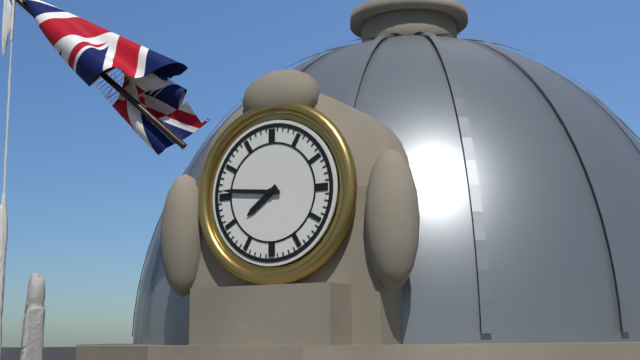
7:46
